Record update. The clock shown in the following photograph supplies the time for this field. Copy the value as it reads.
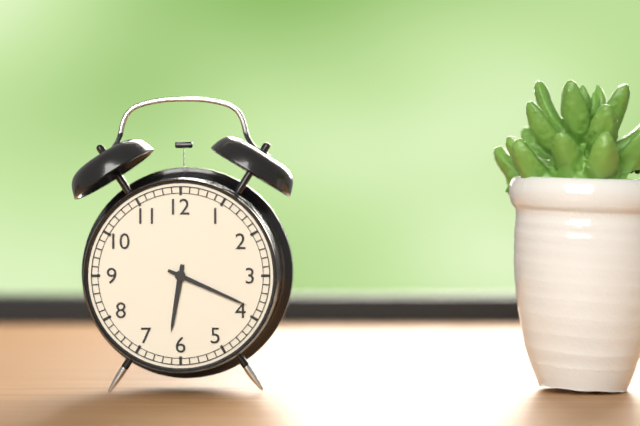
6:19
